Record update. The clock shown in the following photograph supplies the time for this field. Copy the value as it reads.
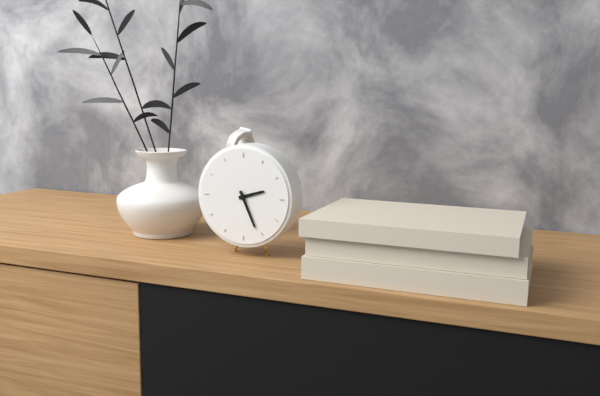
2:26
